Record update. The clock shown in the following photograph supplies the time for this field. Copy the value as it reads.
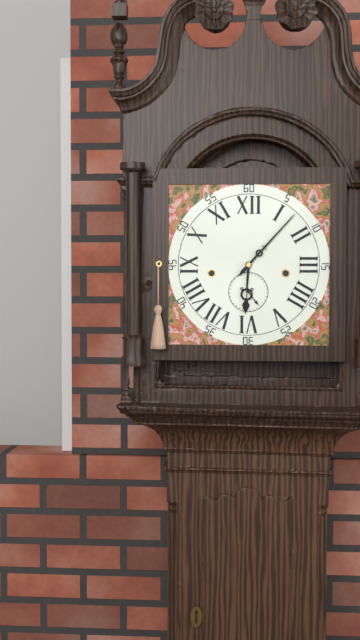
6:07
